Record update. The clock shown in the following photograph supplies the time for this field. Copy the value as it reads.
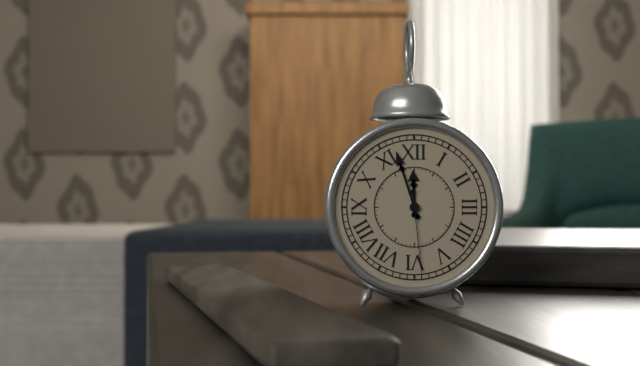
11:57:29
